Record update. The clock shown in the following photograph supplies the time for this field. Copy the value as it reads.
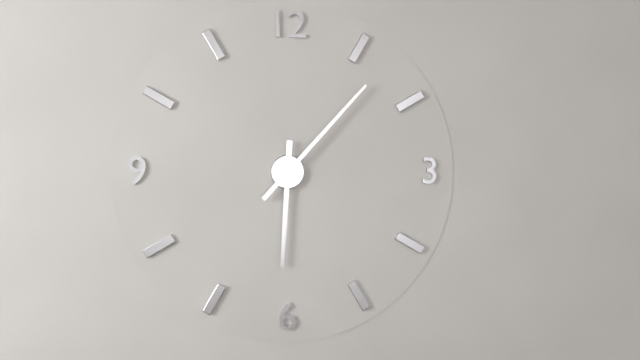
6:07
